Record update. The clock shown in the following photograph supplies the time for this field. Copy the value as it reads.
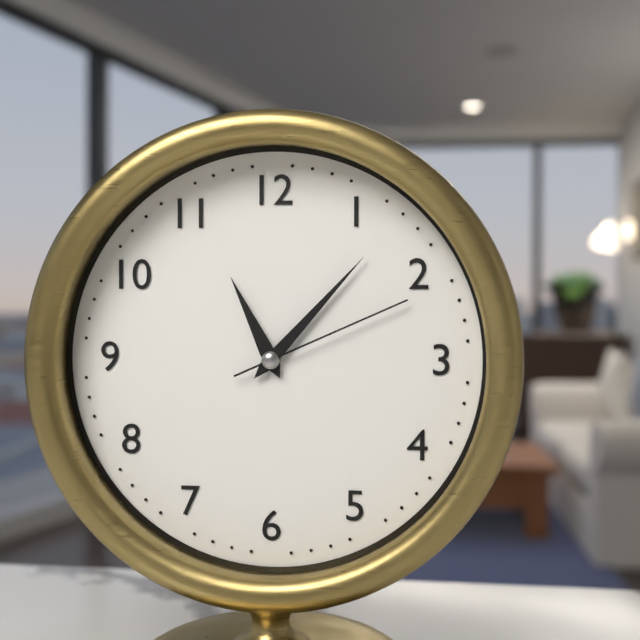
11:07:11
